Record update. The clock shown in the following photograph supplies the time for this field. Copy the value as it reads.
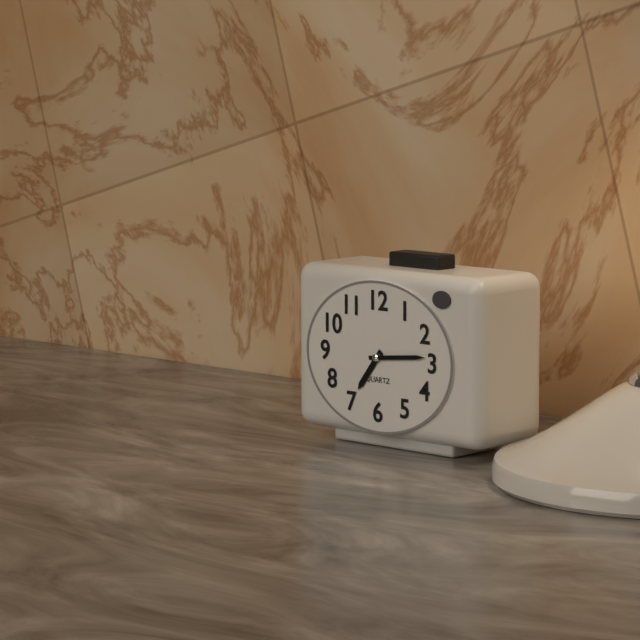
7:14
